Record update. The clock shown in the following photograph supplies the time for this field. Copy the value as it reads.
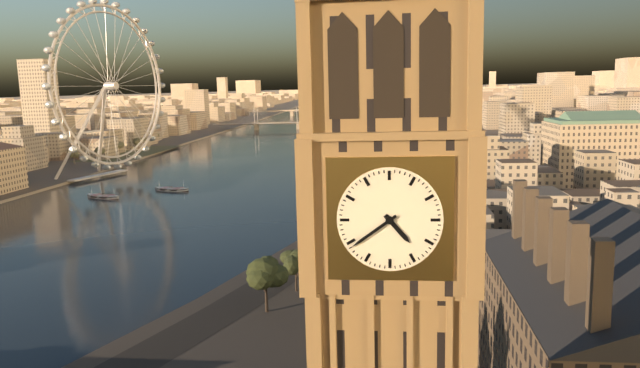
4:39
